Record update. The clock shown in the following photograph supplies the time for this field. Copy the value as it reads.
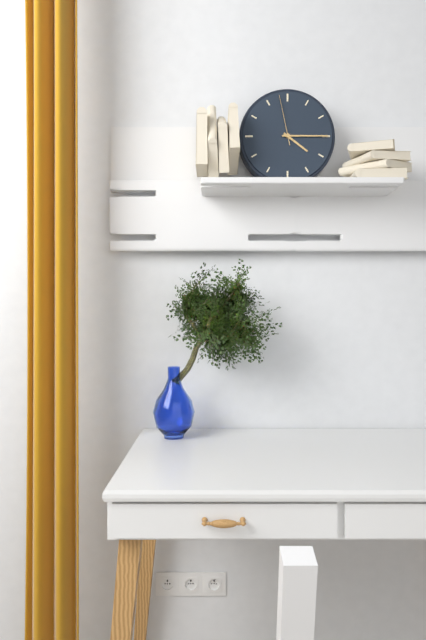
4:15:58
